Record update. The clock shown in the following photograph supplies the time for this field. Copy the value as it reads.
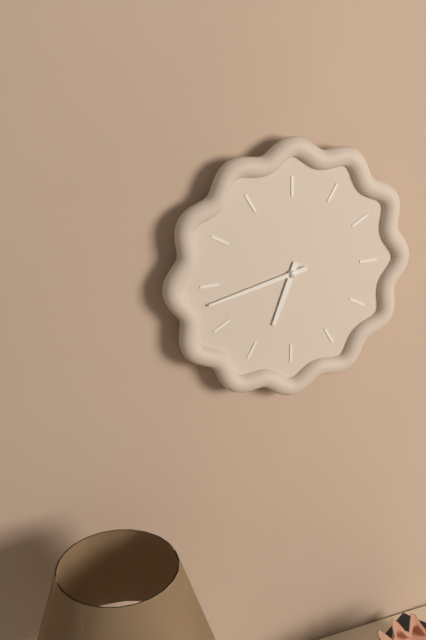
6:43
